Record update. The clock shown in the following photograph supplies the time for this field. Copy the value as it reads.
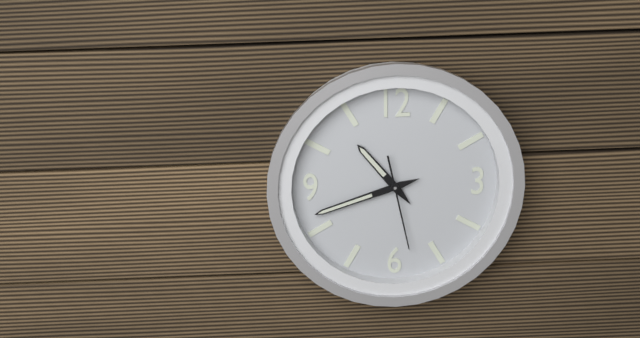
10:42:28
